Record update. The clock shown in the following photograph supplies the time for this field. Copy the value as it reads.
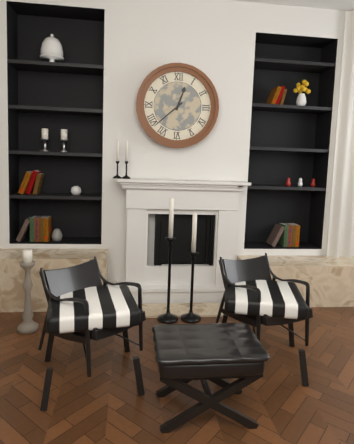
12:38
